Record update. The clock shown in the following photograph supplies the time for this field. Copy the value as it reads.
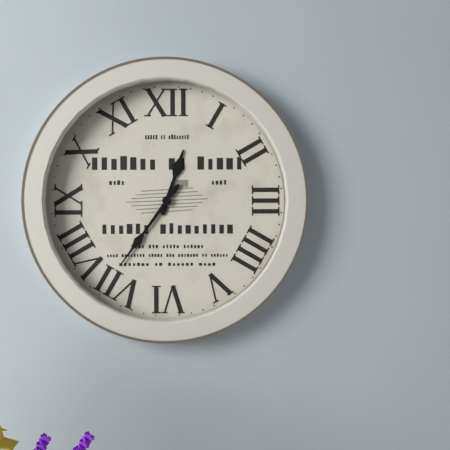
12:36
